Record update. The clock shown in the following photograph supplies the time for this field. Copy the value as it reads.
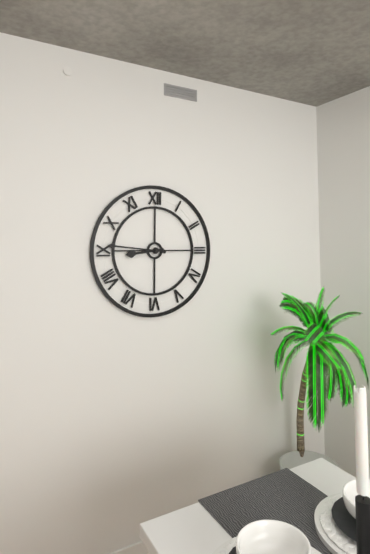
8:46
